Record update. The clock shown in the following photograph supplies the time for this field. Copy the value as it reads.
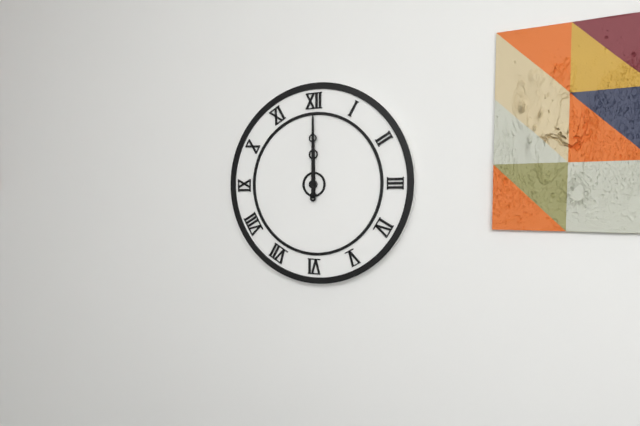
12:00
